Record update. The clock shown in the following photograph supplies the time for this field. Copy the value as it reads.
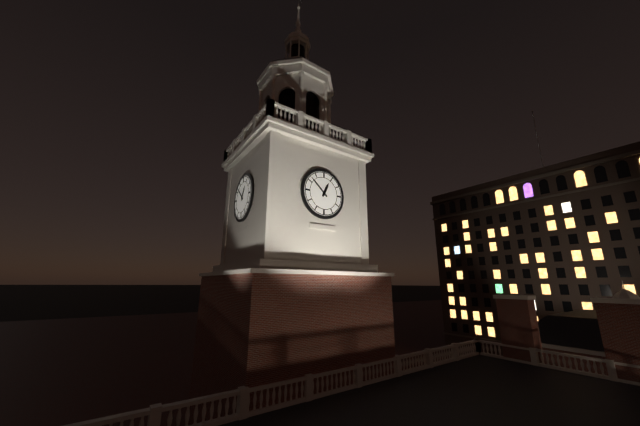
12:52
